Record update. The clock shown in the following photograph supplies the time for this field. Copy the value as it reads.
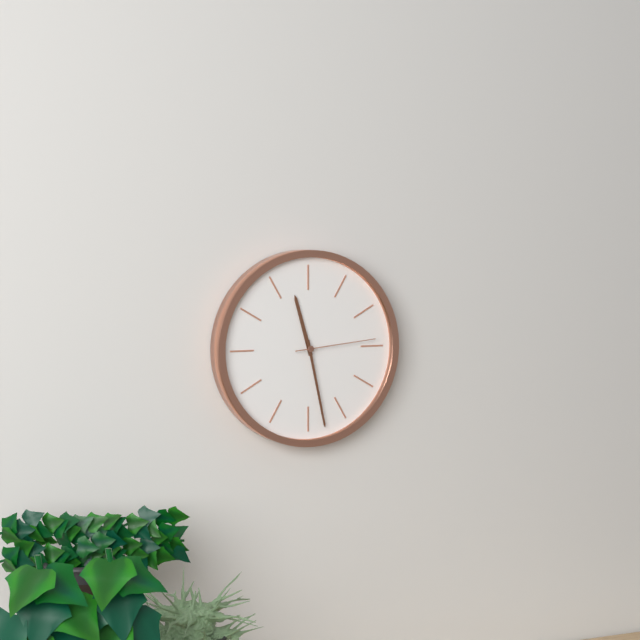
11:28:14
